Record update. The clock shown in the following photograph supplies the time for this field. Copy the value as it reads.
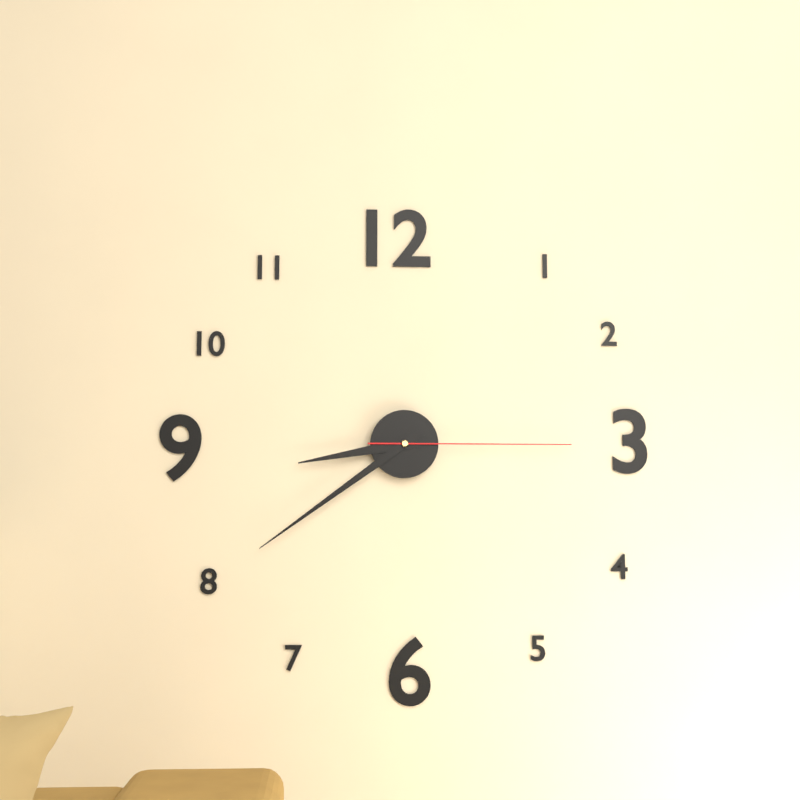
8:39:15
